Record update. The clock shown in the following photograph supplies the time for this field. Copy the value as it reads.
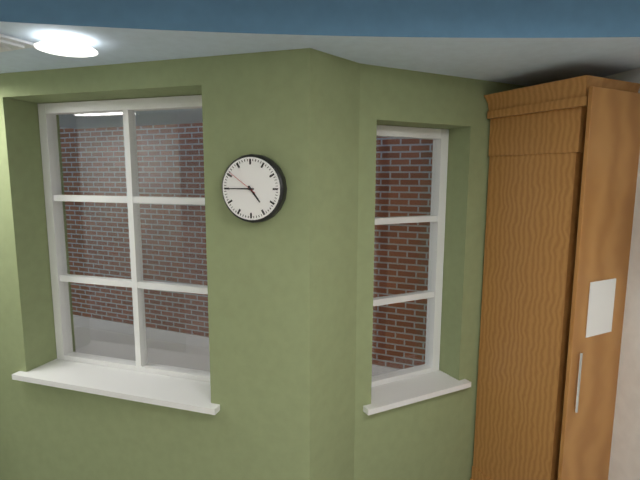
4:45
